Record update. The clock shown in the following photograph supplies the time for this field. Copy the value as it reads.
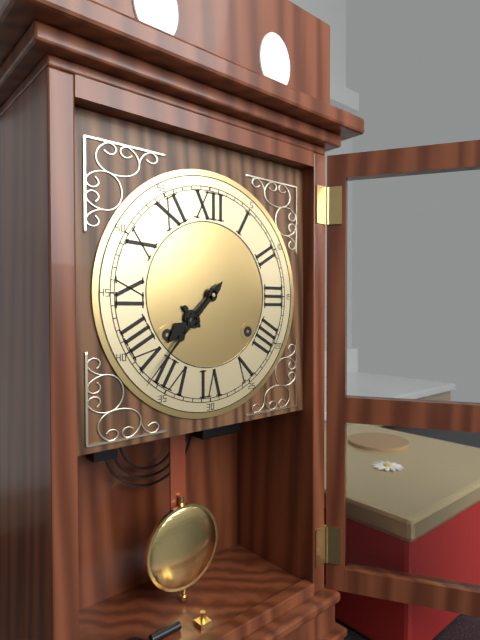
7:37
